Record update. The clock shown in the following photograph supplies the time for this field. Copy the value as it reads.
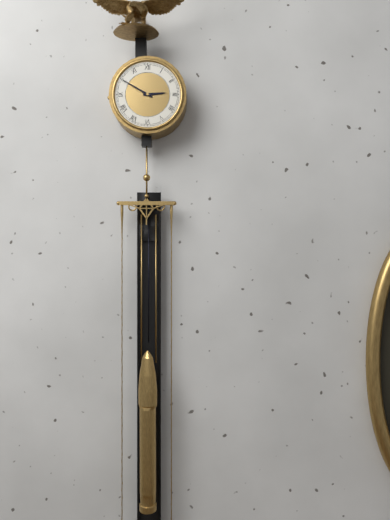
2:50
